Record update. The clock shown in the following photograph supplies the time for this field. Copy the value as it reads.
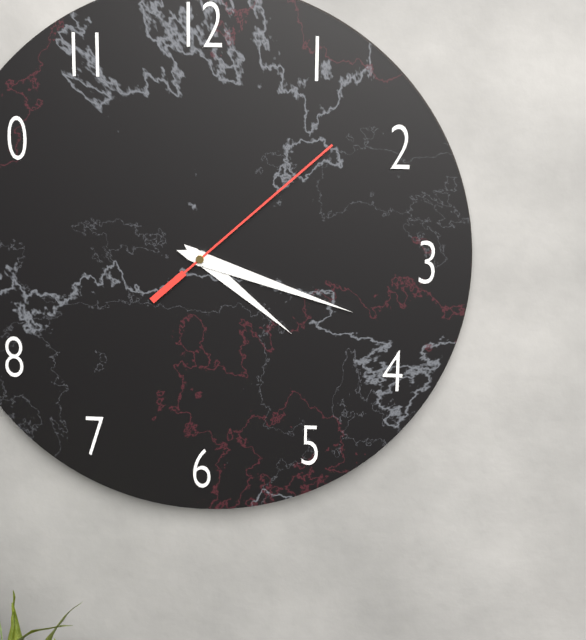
4:18:08
